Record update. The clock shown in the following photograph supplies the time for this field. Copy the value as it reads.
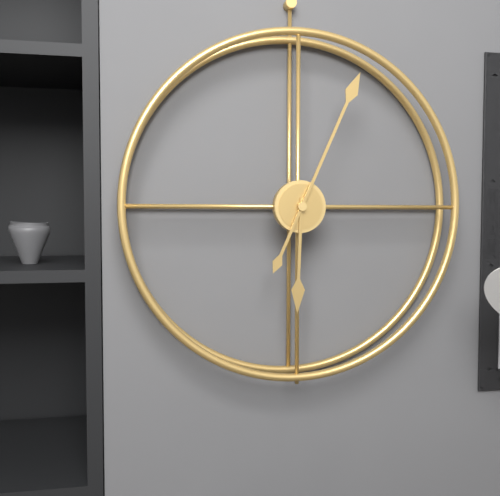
6:04
